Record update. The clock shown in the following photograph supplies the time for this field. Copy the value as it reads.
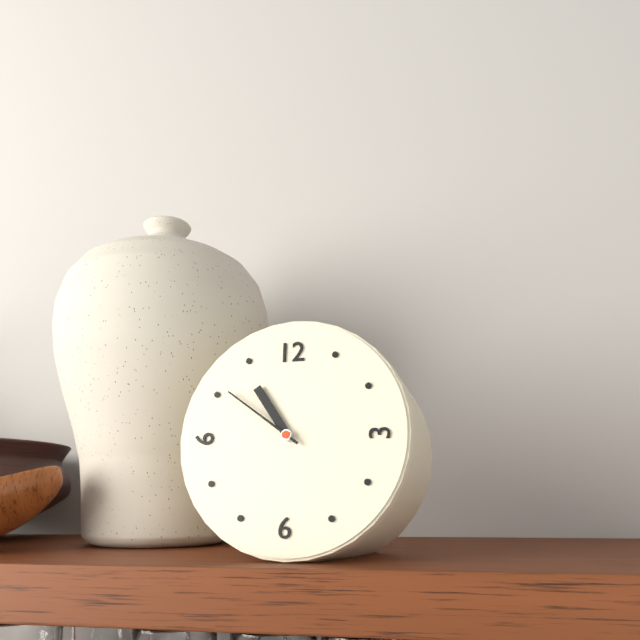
10:51
